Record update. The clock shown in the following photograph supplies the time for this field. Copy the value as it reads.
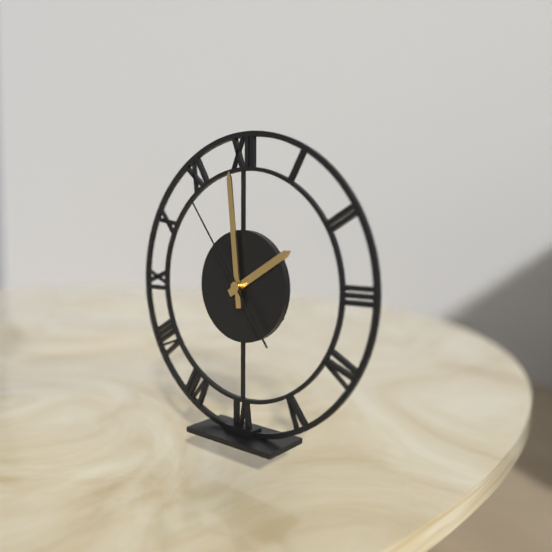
1:59:54
